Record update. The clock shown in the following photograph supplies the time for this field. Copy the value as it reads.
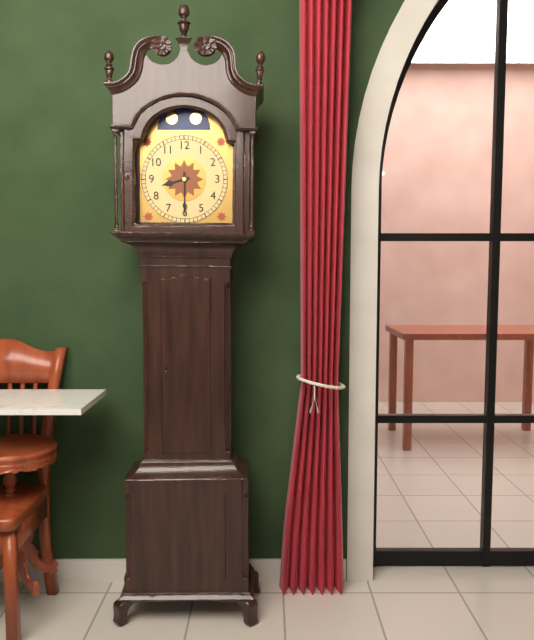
8:30
